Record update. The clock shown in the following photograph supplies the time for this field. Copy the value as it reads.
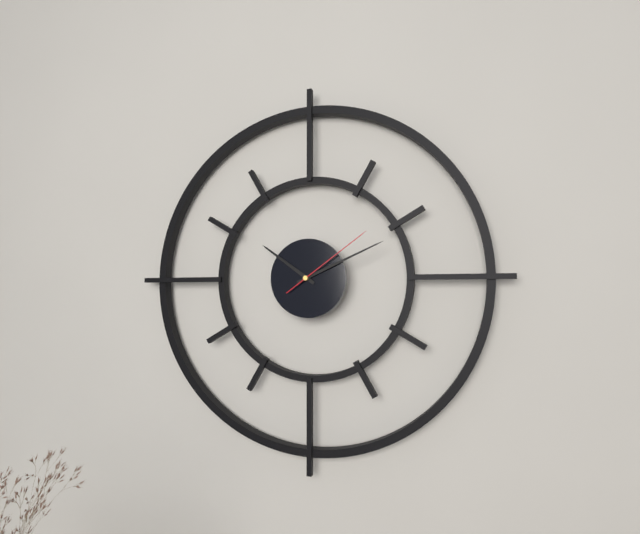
10:11:09
